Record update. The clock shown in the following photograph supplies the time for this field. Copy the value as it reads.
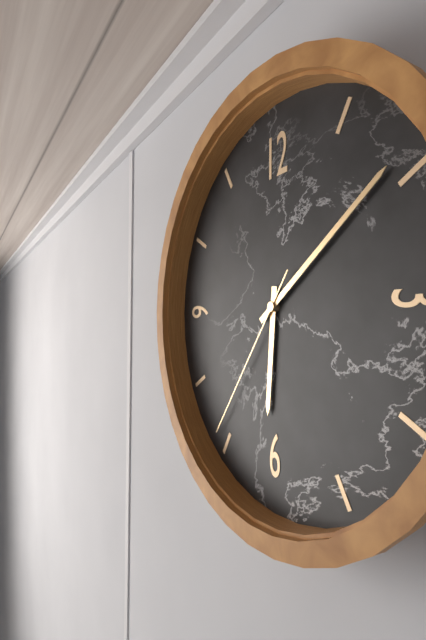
6:09:36
